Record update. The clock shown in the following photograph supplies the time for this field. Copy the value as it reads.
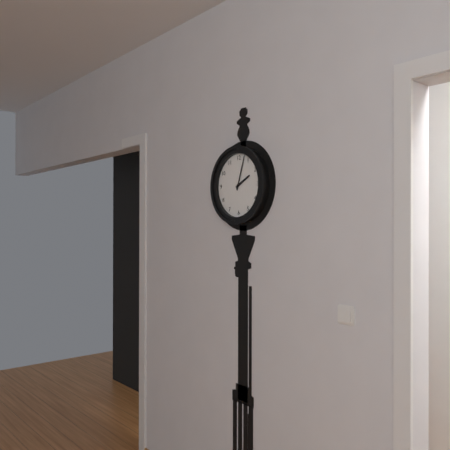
2:03
